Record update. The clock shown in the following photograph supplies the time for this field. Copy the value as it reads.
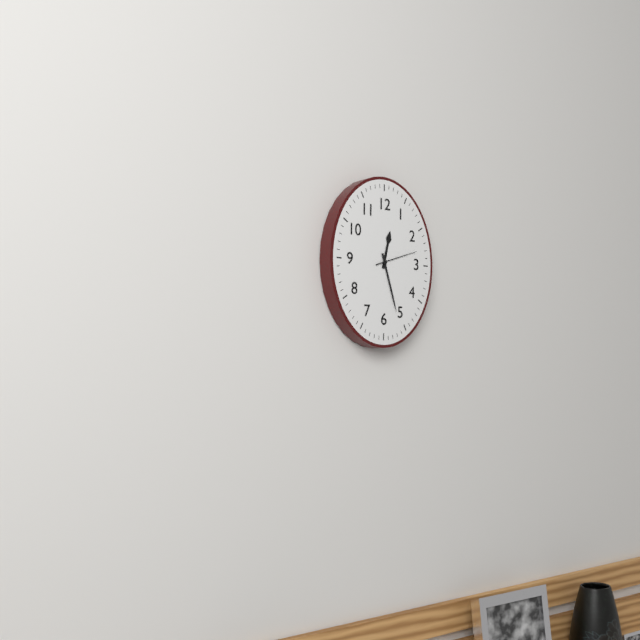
12:27
